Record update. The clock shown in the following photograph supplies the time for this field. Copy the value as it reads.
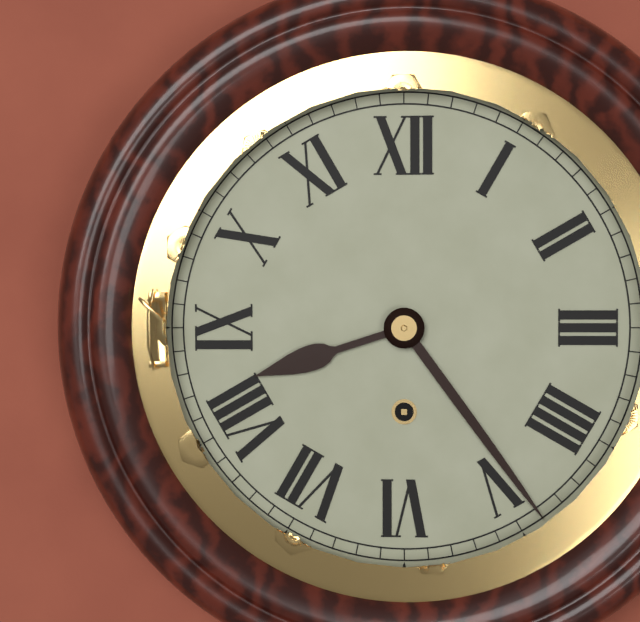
8:24
